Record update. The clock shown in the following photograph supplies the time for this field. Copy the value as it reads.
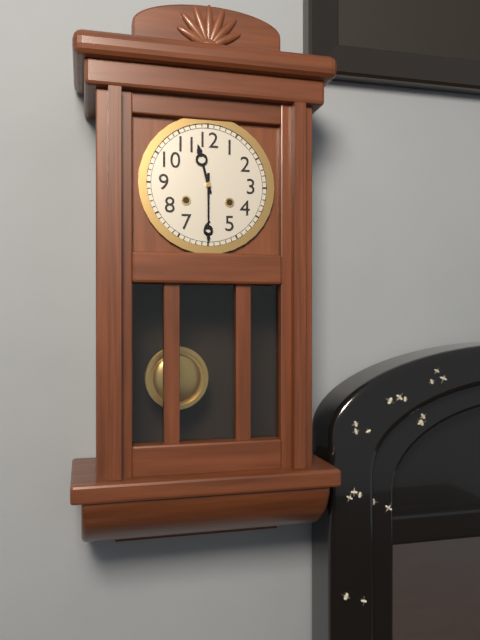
11:30
